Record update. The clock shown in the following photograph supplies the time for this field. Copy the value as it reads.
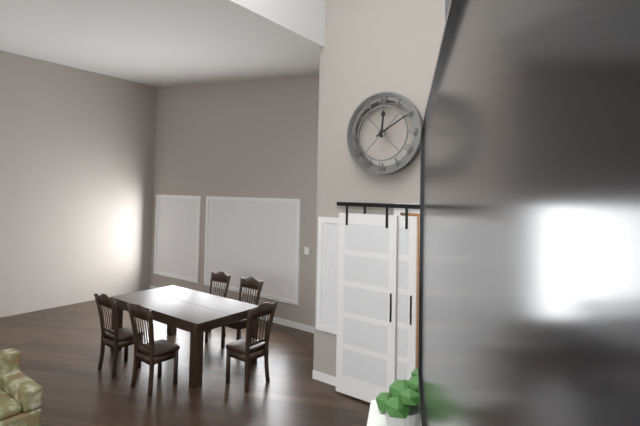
12:10
